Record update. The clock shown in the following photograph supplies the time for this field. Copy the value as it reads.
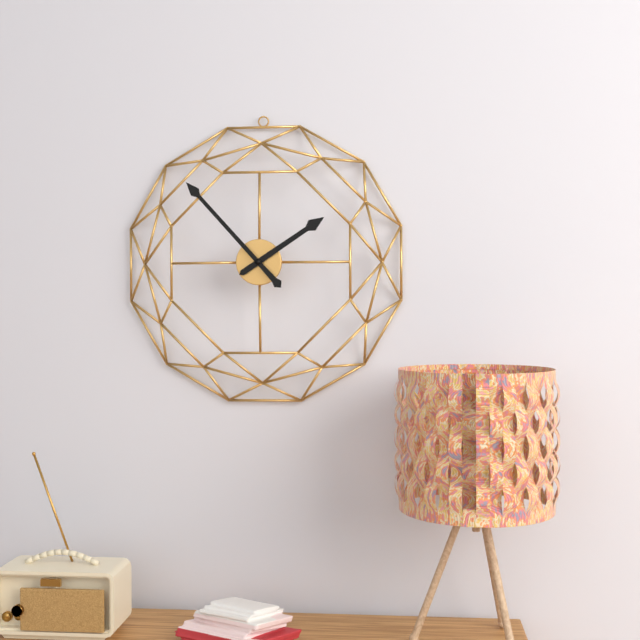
1:53
